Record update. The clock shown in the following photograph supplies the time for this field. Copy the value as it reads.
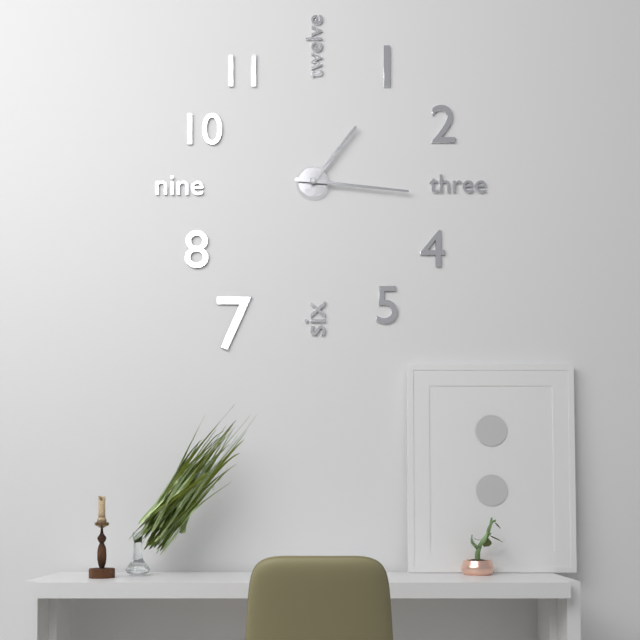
1:16
